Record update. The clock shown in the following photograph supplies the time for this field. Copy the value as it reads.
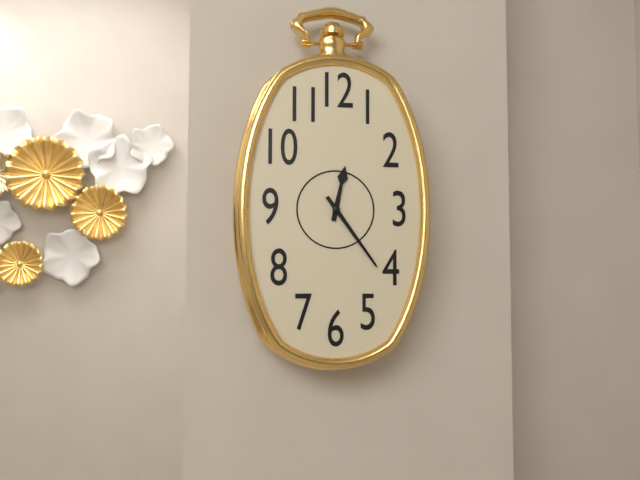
12:24
